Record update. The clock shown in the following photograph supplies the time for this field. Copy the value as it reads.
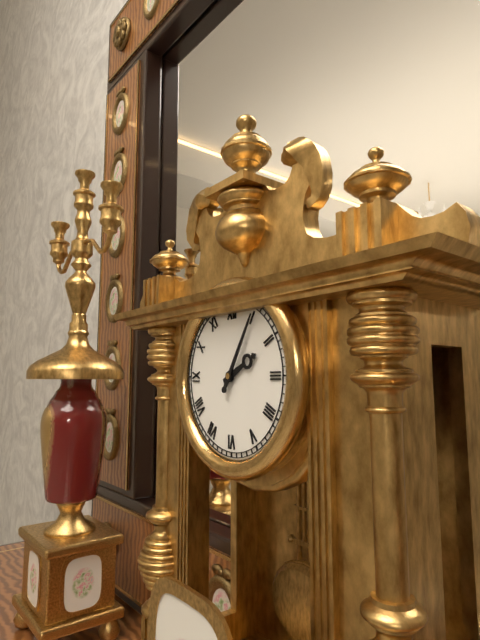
2:05
